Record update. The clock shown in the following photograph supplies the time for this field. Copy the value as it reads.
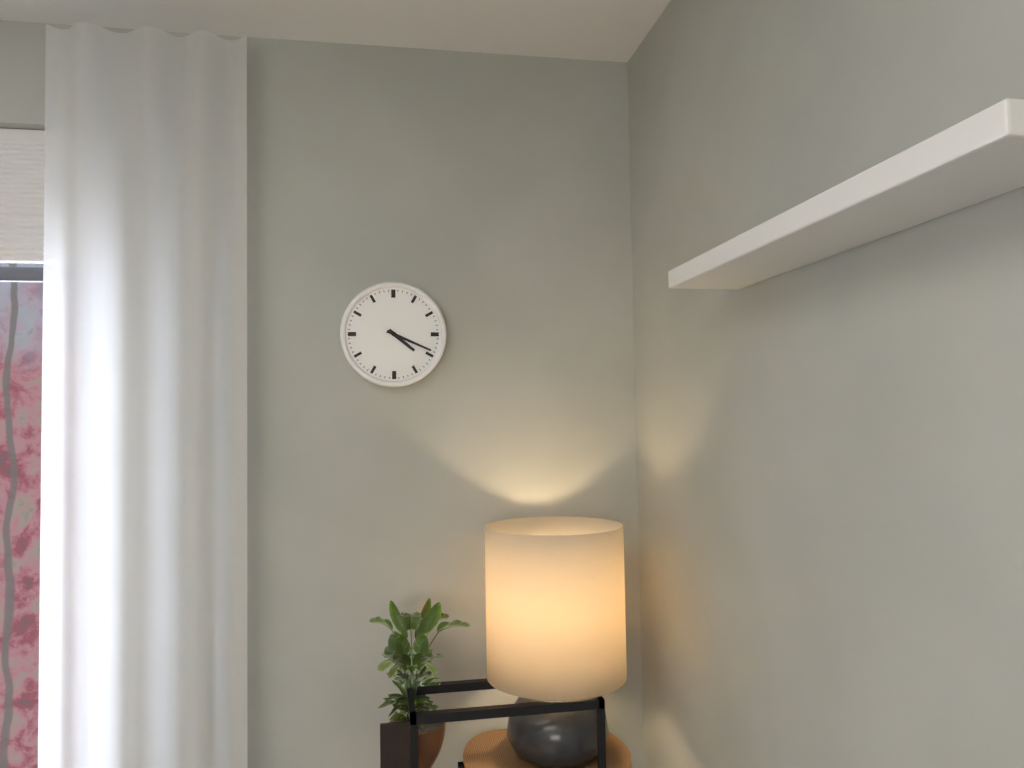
4:19
